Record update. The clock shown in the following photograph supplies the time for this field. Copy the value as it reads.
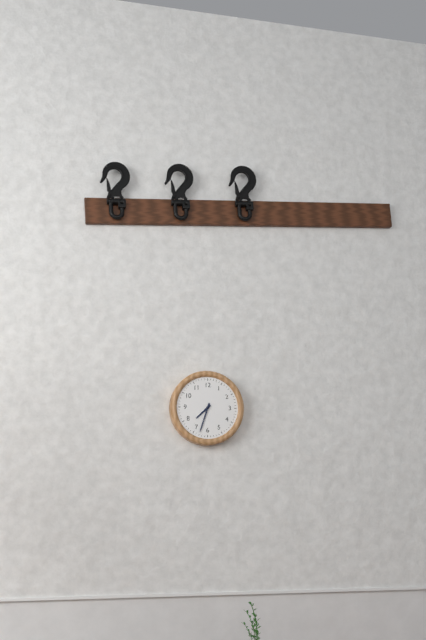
7:33
